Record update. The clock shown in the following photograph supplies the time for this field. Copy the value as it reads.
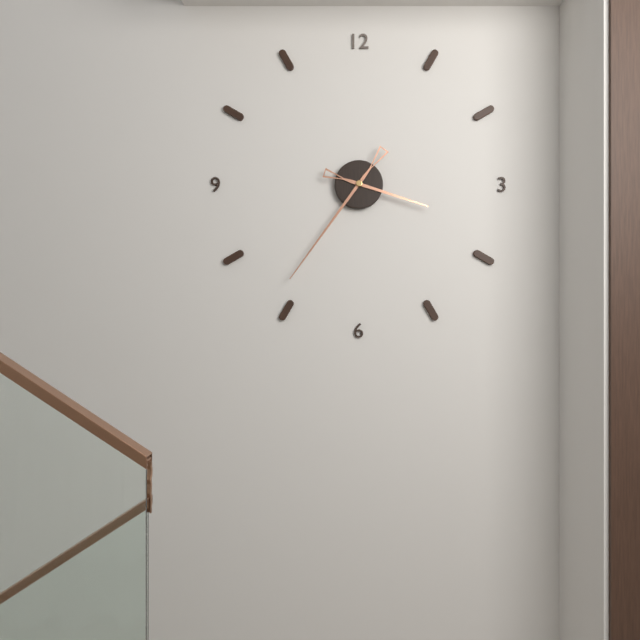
3:36
